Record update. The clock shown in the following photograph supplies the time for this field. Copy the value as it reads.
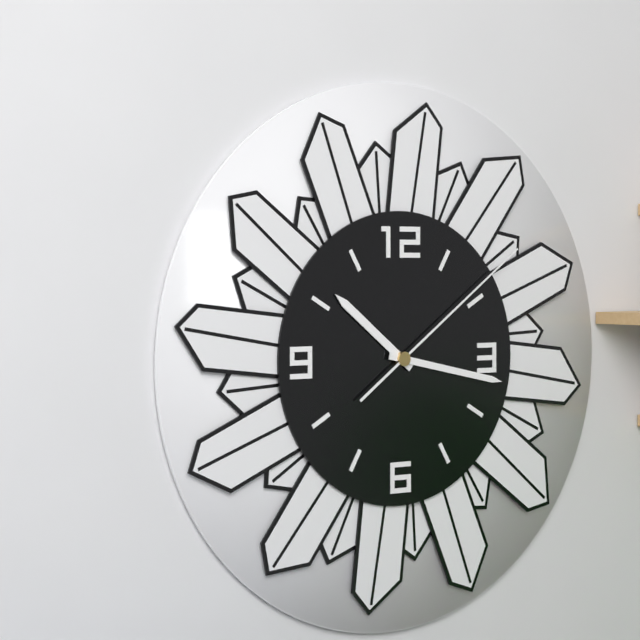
10:17:09
